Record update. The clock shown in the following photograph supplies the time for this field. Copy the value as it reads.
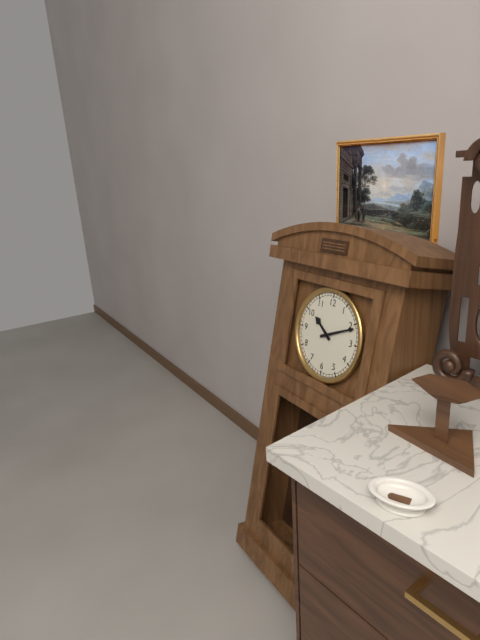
10:11
